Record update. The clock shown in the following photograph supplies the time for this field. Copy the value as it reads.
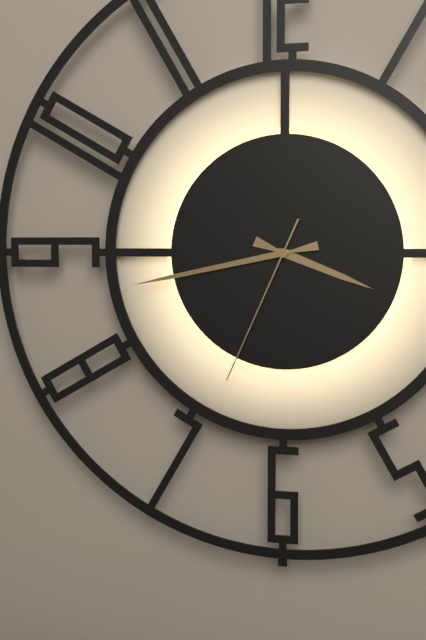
3:43:34
